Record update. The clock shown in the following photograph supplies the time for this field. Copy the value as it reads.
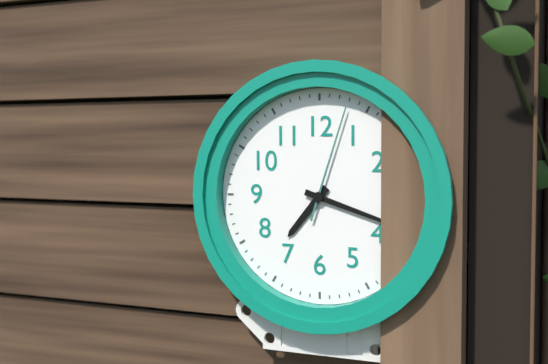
7:18:03
